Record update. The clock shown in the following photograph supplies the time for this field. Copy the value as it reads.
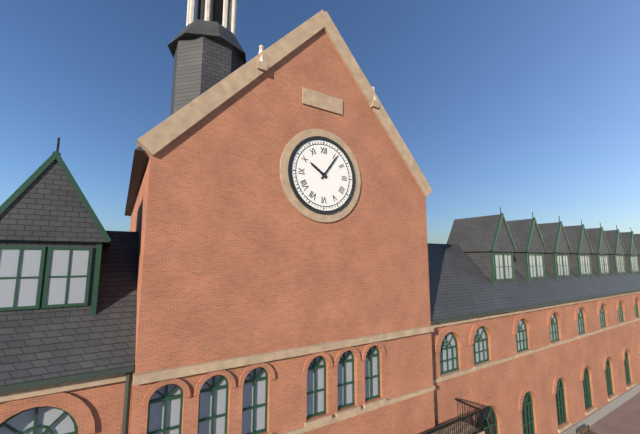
10:06
